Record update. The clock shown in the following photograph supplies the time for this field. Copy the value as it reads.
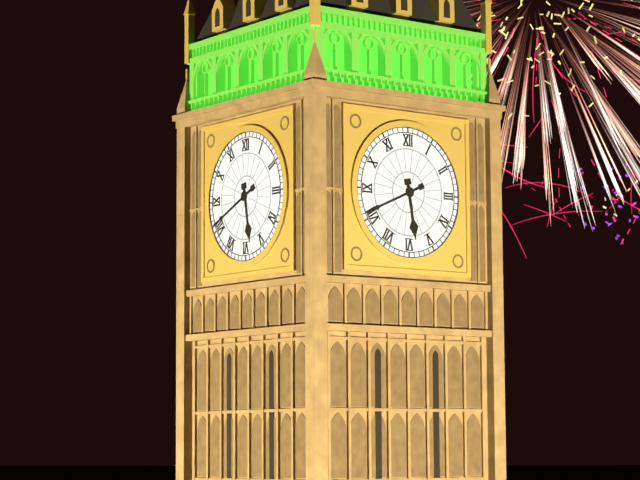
5:41
